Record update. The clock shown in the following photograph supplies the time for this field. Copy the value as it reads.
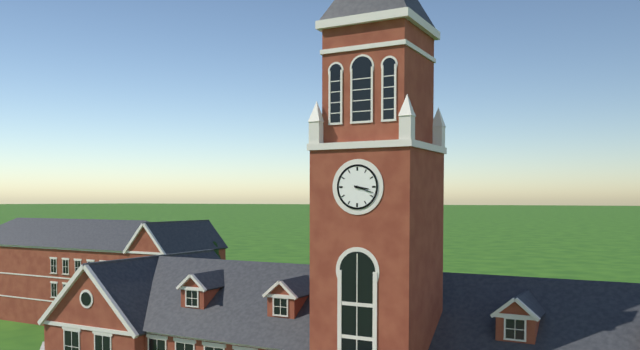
3:18
